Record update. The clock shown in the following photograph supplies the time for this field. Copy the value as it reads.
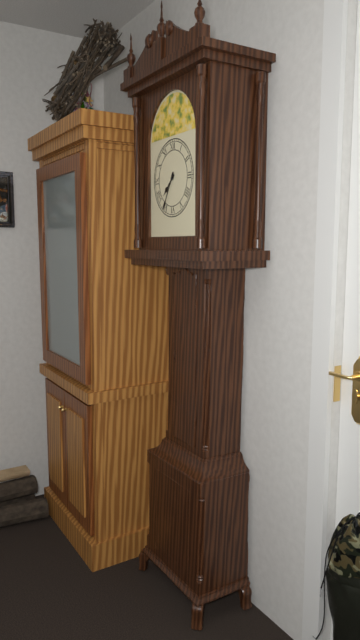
7:35
